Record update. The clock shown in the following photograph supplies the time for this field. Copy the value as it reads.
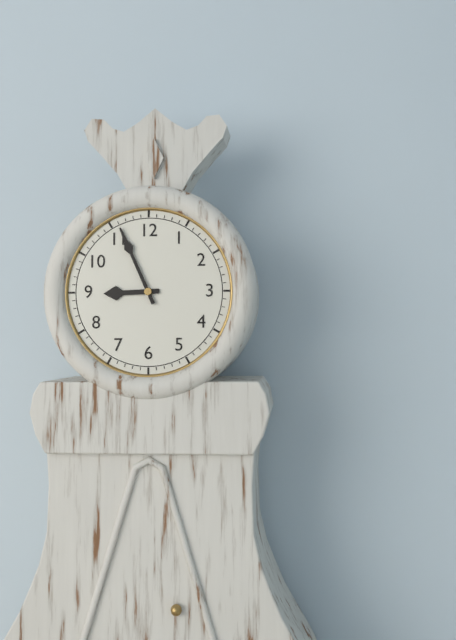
8:56
